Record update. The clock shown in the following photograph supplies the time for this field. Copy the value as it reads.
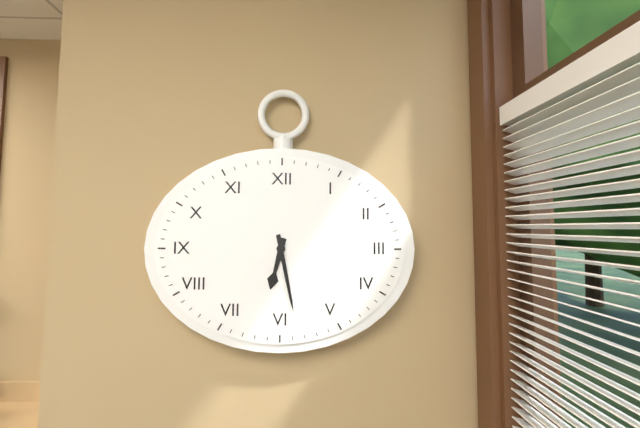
6:28
